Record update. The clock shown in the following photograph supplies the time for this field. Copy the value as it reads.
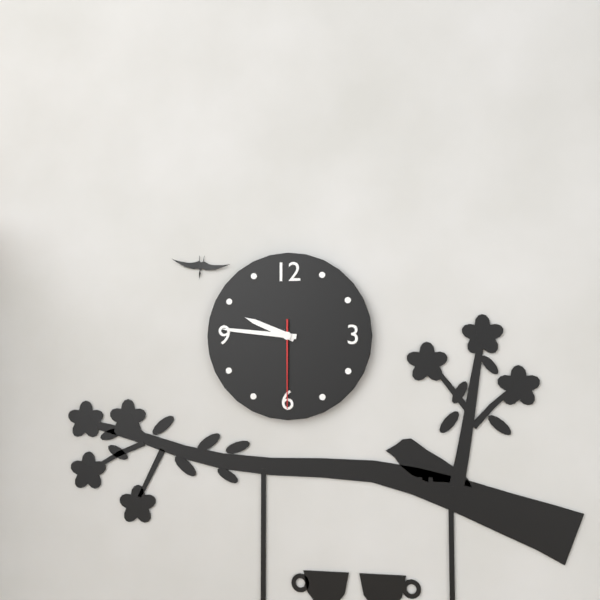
9:46:30
